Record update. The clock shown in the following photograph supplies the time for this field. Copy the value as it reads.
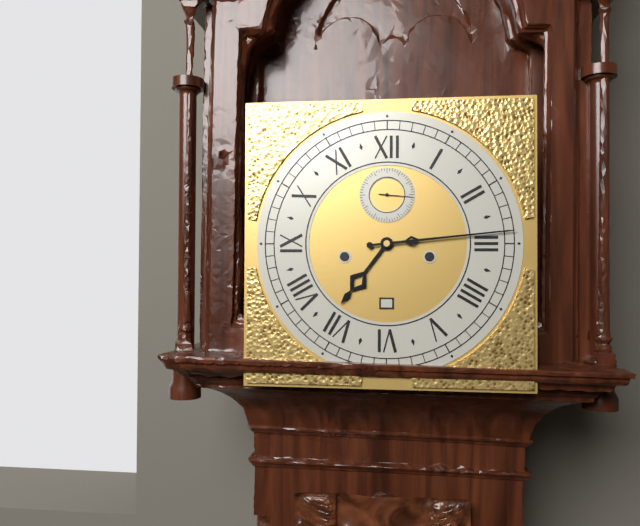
7:14
